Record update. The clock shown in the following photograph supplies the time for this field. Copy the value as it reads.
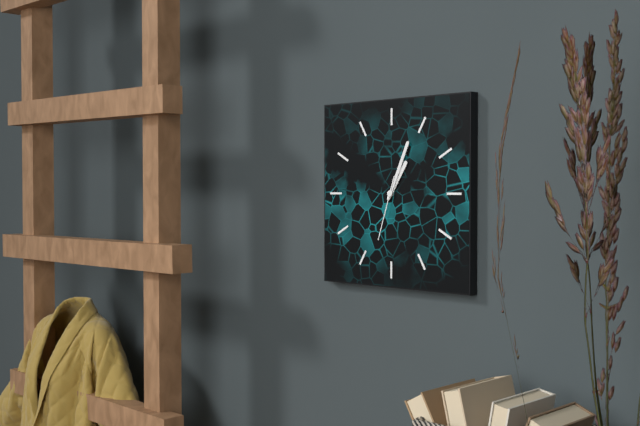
1:04:33
